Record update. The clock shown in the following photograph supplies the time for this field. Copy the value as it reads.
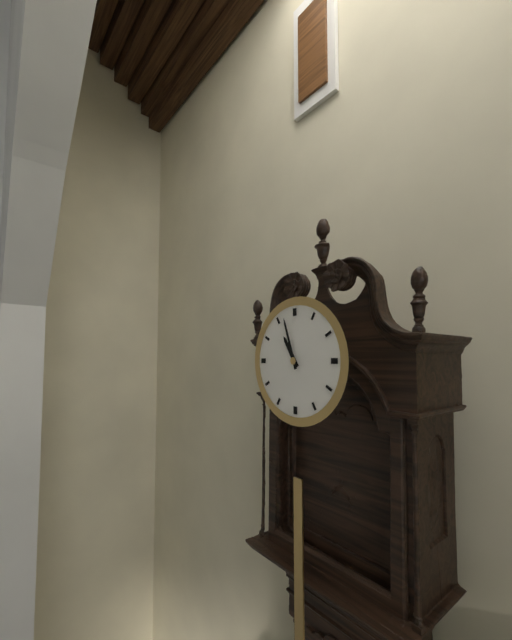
10:57
